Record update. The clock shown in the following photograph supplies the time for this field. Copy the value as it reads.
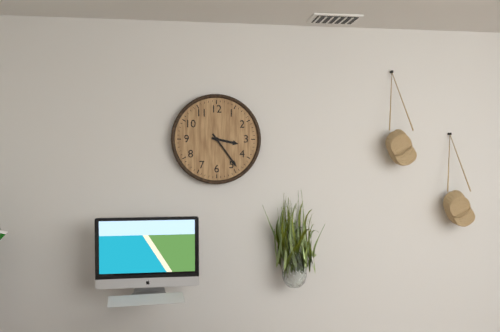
3:24
